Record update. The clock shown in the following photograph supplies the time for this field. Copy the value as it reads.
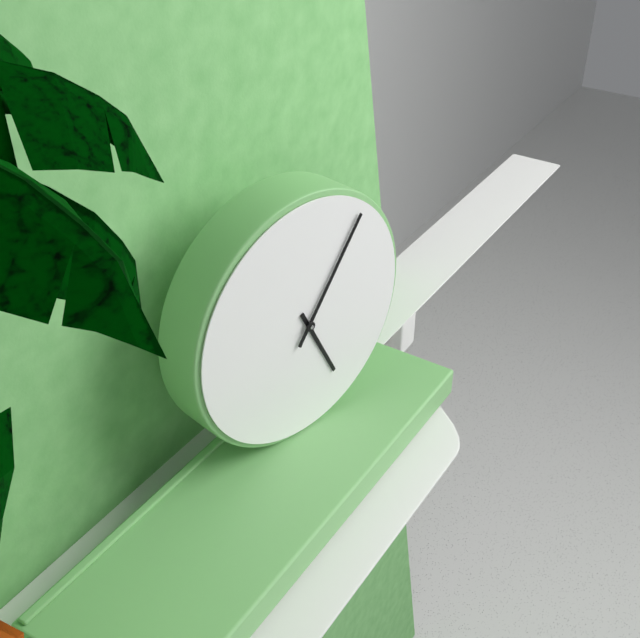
5:06
